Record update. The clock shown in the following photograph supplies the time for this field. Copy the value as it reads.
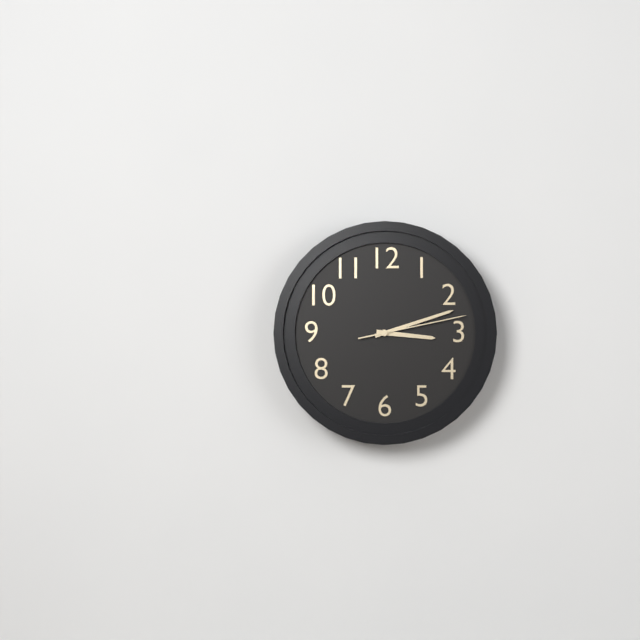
3:12:13
